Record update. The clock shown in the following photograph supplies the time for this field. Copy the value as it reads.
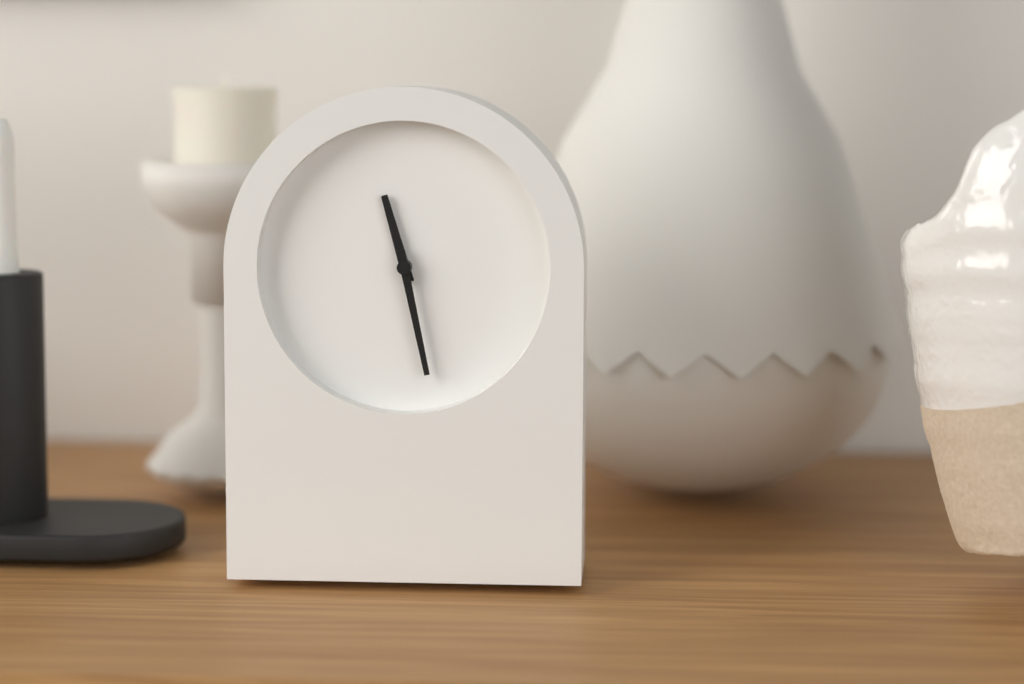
11:28
